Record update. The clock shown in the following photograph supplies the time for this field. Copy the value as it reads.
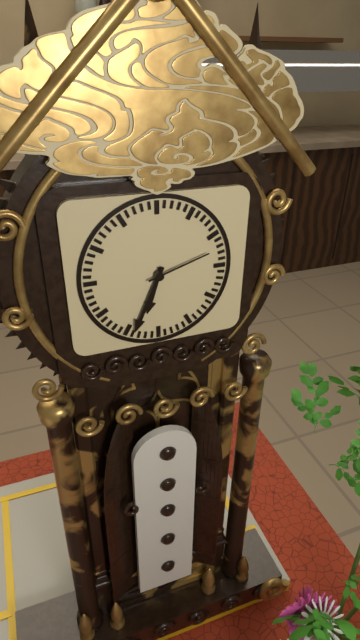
6:34:12
